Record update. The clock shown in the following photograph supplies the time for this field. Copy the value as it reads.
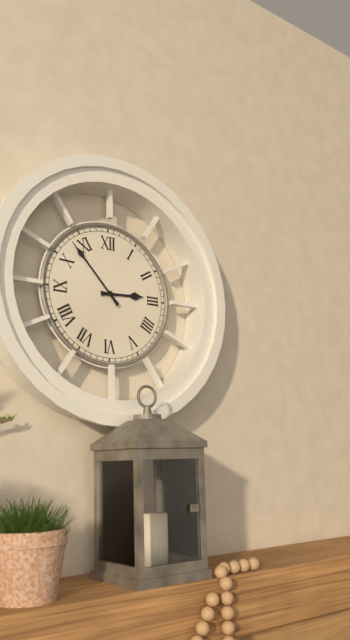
2:53
